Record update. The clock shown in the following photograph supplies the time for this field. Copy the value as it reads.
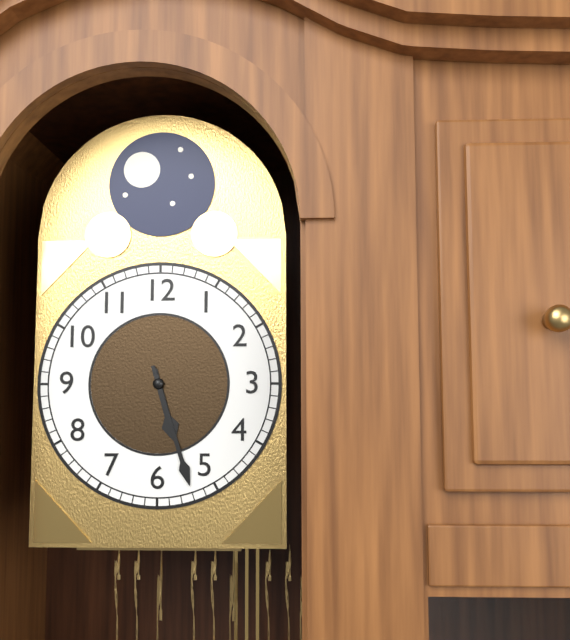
5:27
